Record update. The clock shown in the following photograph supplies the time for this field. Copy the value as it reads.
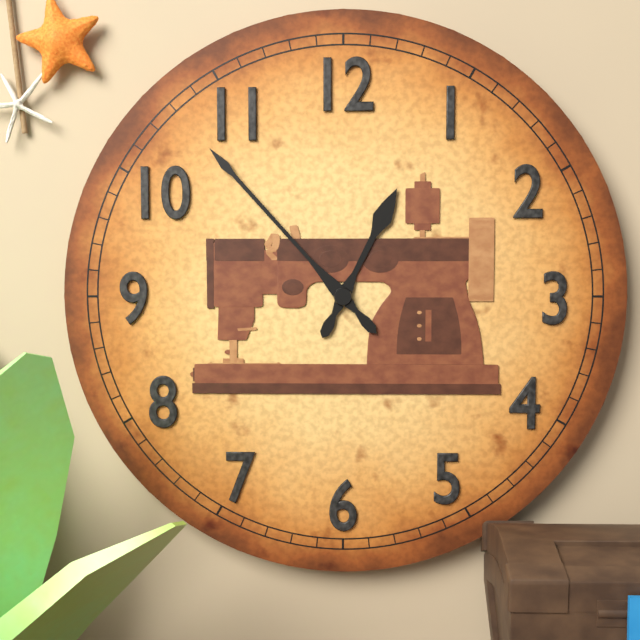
12:53
